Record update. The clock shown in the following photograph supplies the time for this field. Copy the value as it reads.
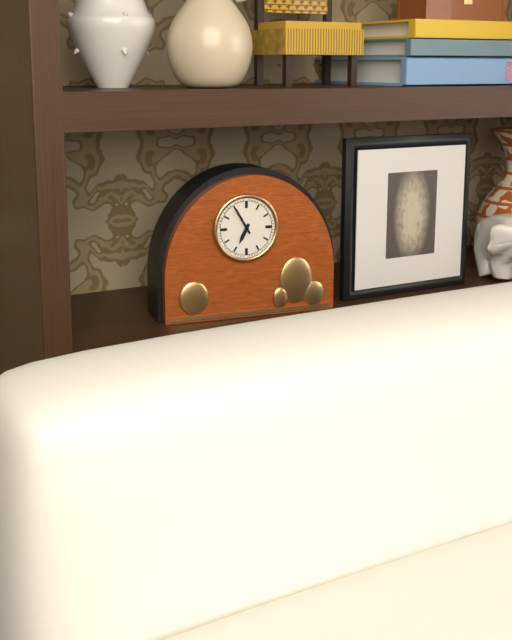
6:55
